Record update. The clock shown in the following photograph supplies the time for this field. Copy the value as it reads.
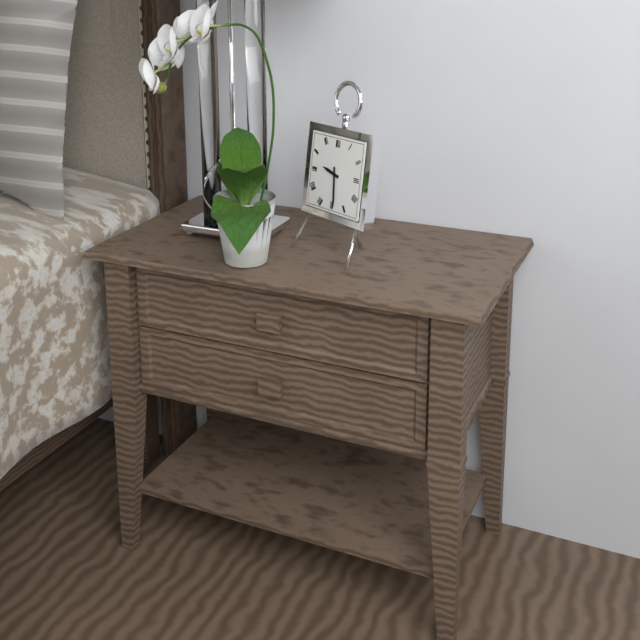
9:29
